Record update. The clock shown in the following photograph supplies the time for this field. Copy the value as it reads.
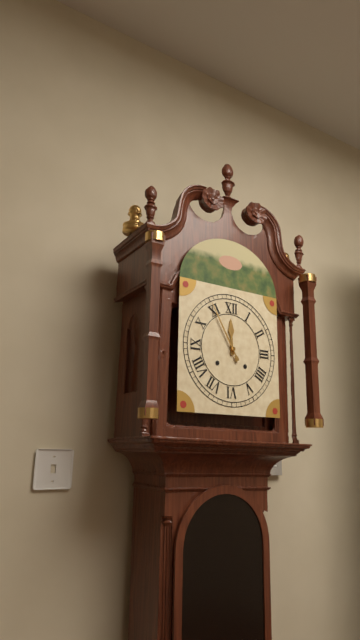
11:55
